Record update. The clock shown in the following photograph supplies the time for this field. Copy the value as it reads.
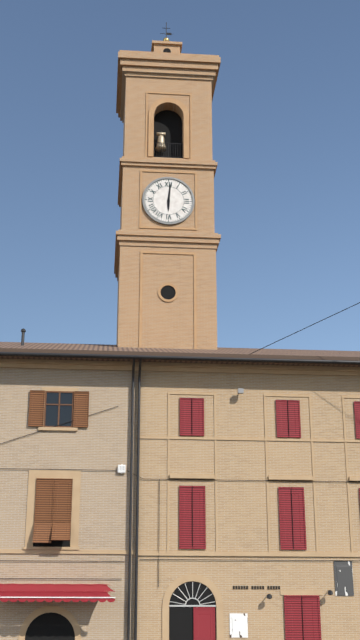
6:01
